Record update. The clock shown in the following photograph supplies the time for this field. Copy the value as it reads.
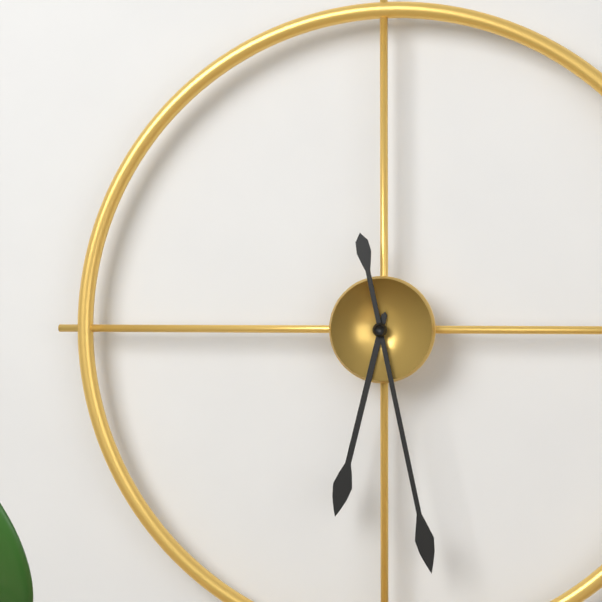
6:28
